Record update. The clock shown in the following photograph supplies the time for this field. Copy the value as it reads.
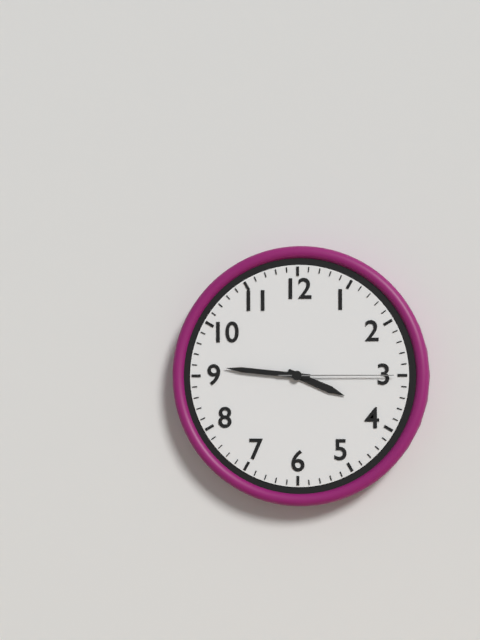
3:46:15
